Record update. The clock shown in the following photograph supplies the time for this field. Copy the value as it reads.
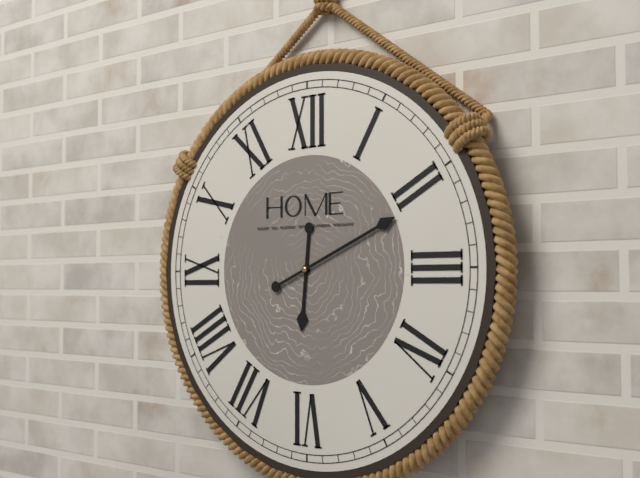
6:11
